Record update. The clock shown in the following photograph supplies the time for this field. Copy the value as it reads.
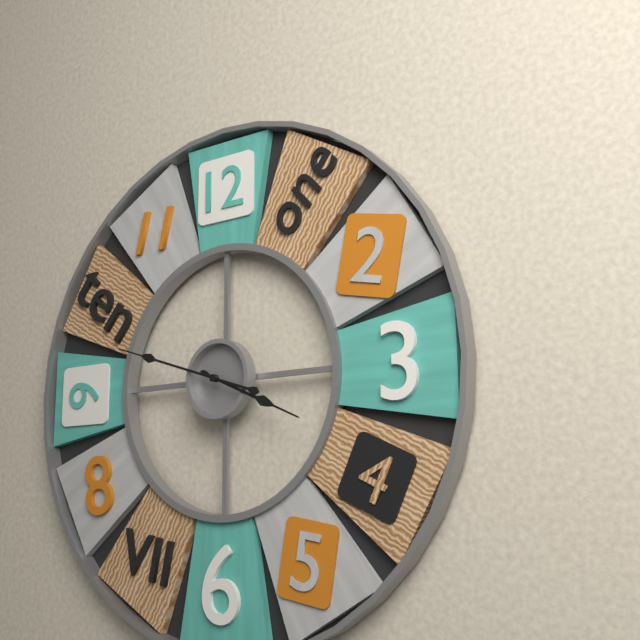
3:48
